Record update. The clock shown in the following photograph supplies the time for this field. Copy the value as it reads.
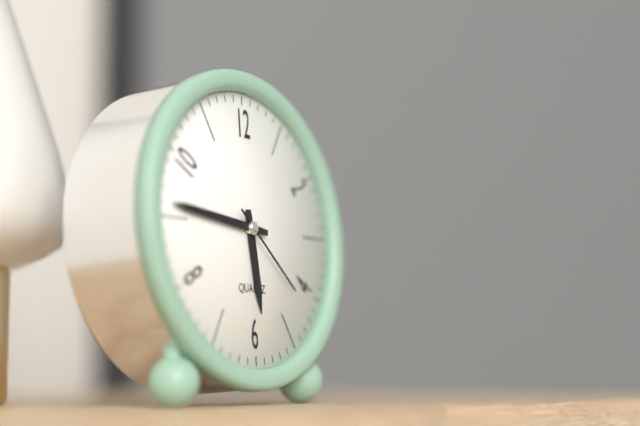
5:46:22
